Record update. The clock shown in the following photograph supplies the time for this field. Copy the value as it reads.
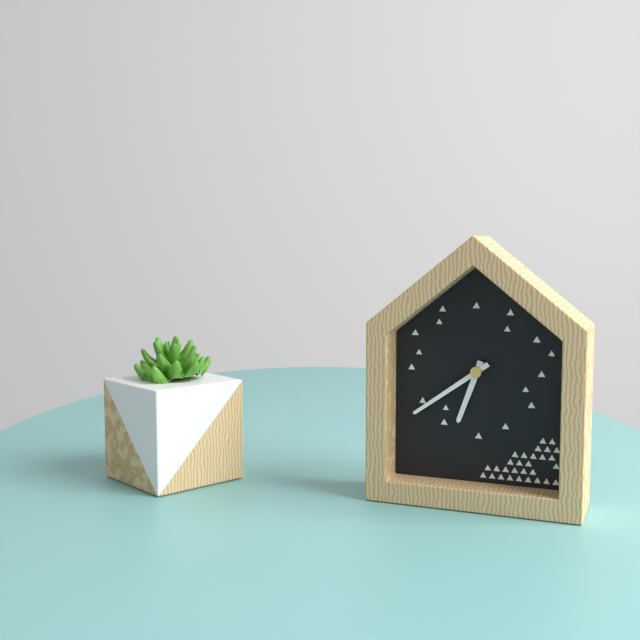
6:39
